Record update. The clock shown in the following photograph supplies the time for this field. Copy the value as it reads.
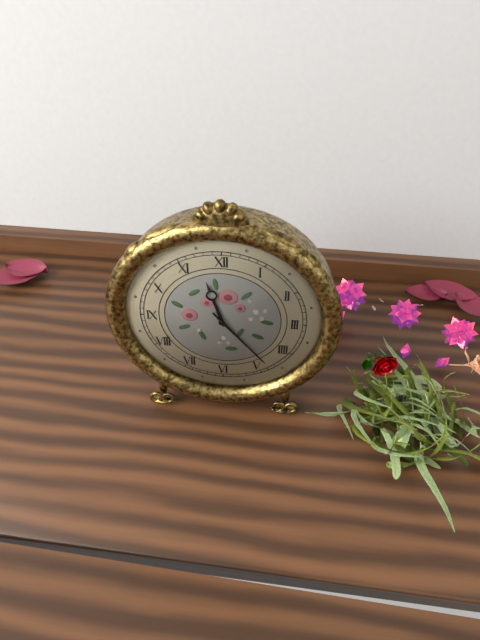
11:23
